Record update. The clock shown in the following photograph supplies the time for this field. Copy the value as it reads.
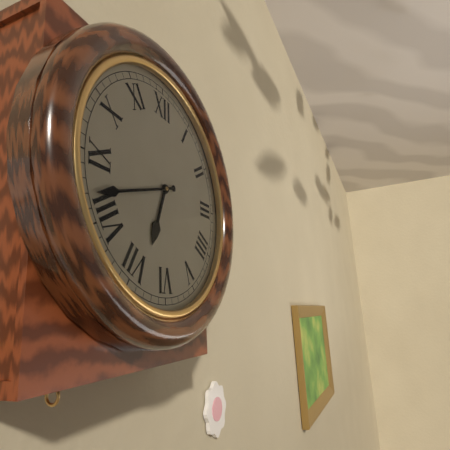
6:42
